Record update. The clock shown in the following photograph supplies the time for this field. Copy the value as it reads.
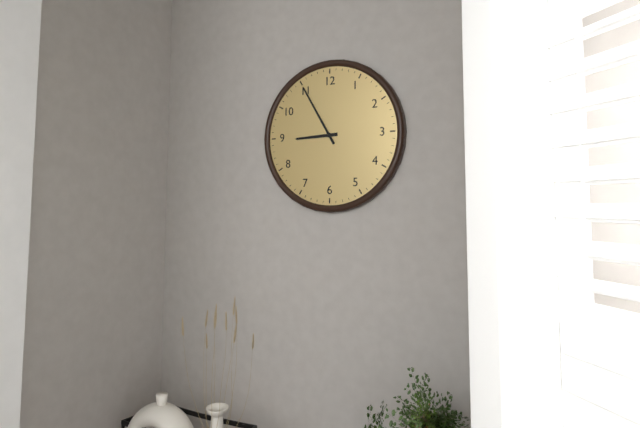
8:55
